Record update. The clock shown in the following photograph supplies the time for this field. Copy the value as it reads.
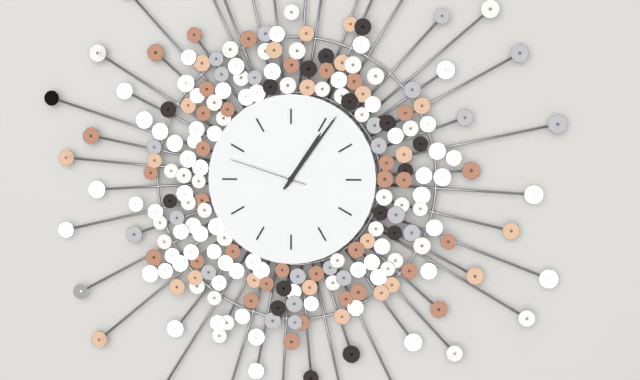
1:06:48
